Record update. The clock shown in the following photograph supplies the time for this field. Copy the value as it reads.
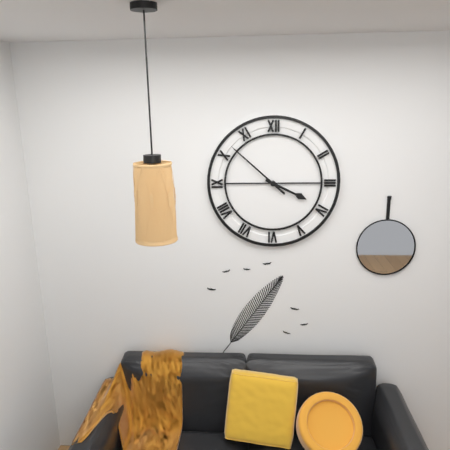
3:52
